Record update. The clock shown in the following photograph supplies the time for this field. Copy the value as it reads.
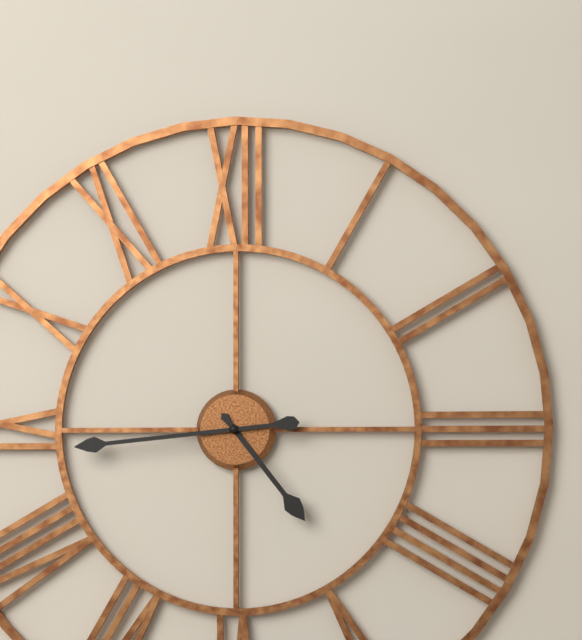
4:44
